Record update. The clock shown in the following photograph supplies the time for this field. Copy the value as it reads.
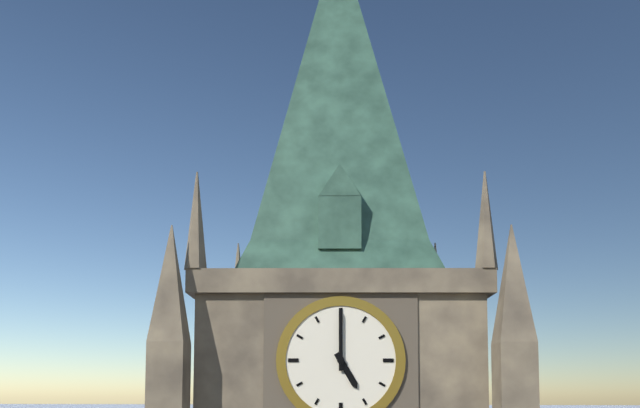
5:00
